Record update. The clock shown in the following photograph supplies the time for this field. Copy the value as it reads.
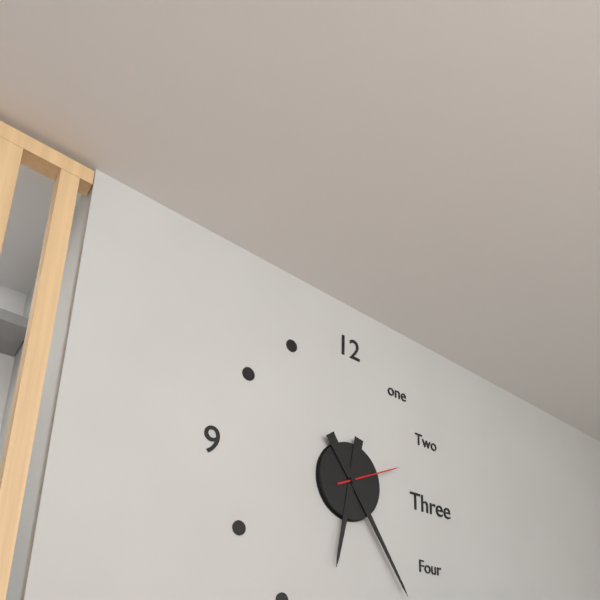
6:24:11
